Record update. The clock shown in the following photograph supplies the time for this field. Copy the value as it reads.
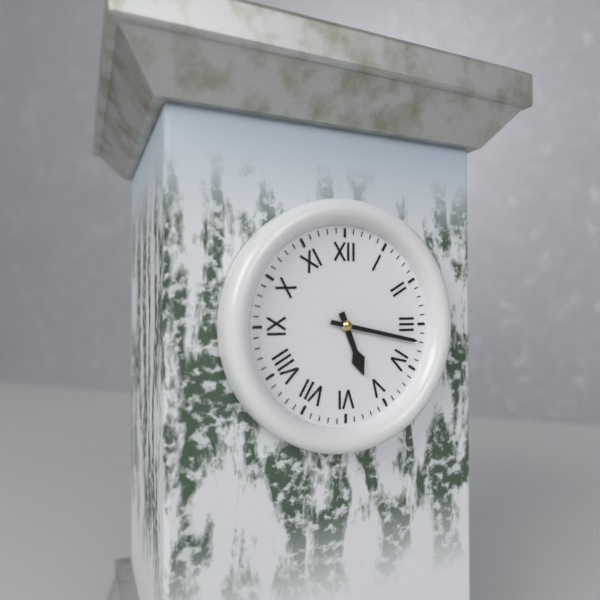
5:17
